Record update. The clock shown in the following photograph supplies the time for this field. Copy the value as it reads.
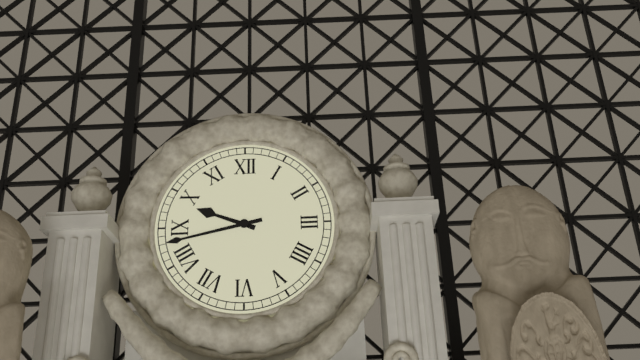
9:43
